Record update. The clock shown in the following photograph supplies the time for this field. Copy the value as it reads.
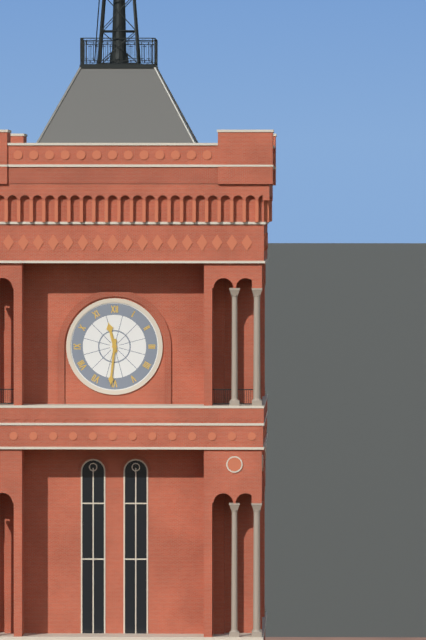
11:31
